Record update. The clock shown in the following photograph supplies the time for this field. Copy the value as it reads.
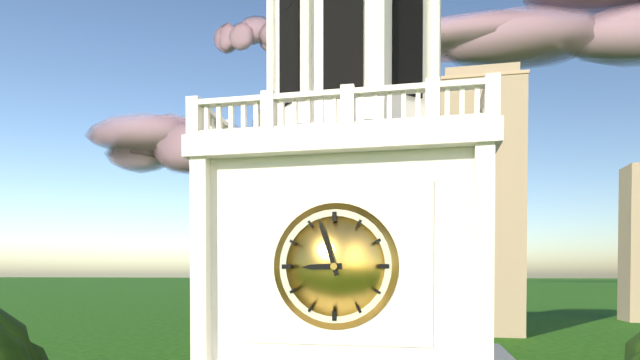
8:57
